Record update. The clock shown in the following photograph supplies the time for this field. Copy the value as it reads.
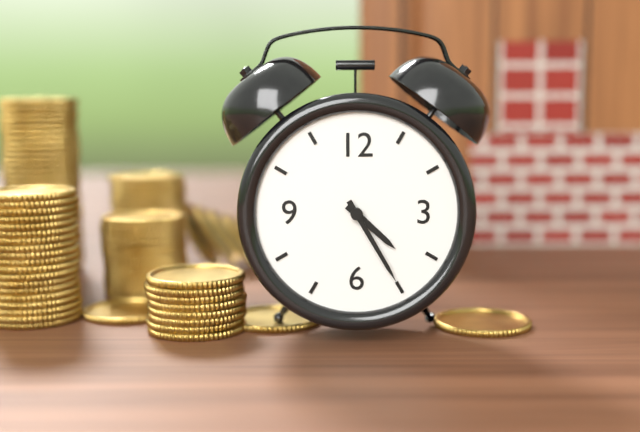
4:25
